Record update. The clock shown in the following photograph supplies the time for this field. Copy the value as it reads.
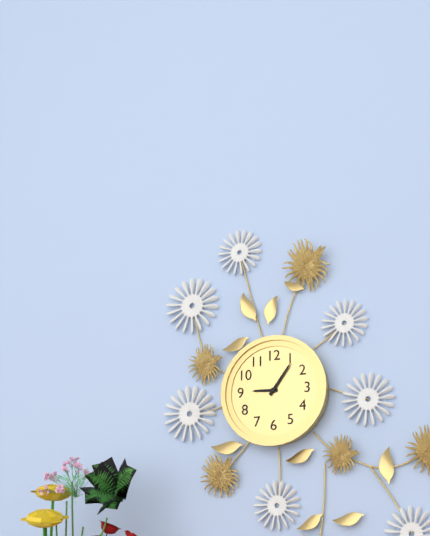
9:06
